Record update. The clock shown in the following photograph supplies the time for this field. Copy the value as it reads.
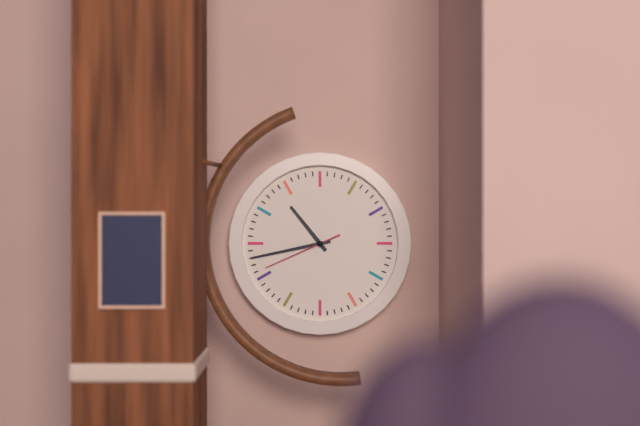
10:43:41
